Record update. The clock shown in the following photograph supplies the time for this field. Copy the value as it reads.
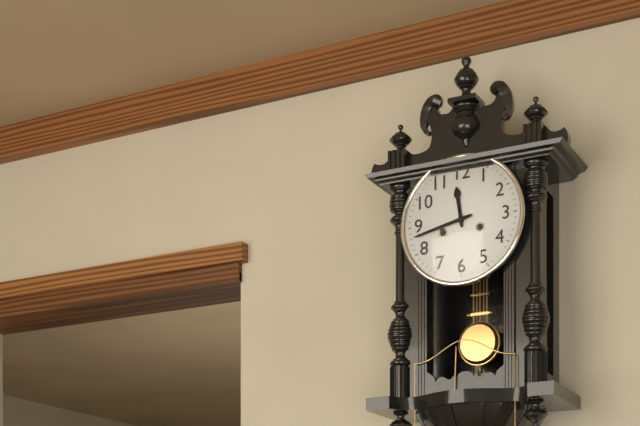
11:43
